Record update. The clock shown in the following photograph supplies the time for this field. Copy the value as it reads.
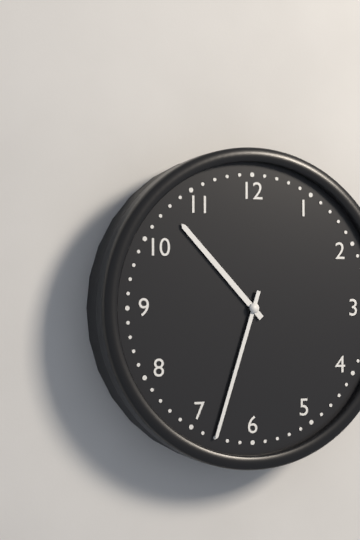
10:33
